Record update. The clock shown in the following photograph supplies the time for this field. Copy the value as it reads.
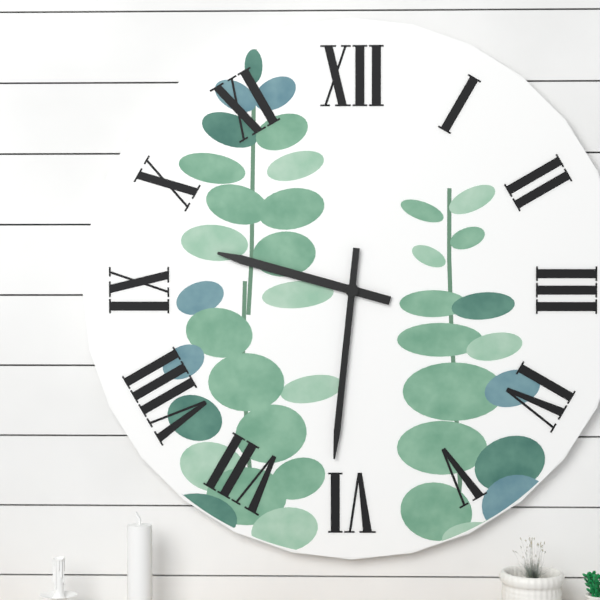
9:31
